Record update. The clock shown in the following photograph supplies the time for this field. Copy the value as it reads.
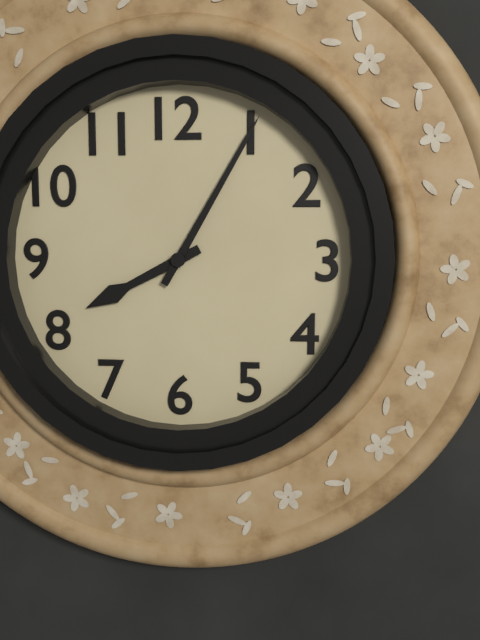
8:05
